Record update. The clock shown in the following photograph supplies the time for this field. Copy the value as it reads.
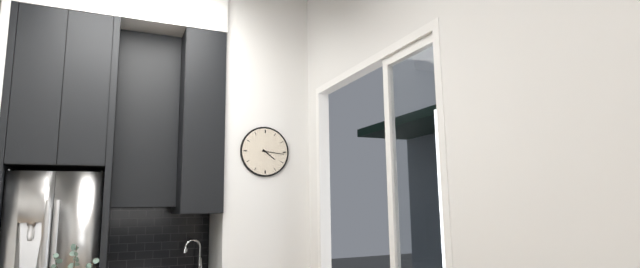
4:16
